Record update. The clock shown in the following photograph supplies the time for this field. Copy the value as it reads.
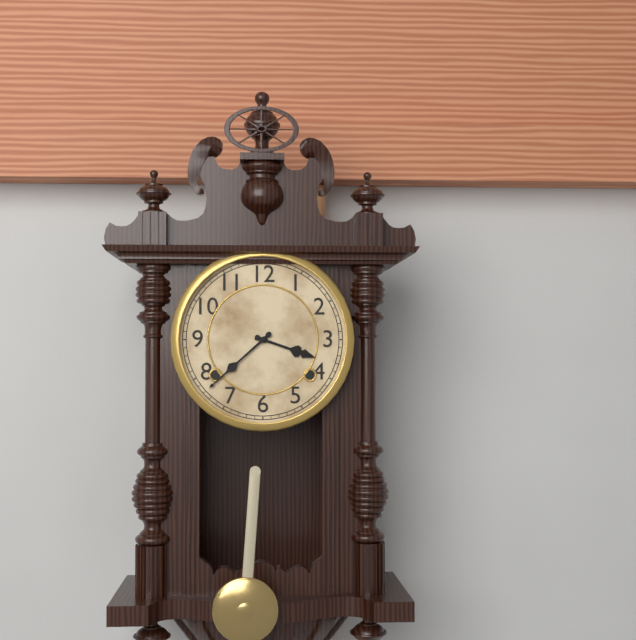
3:38
